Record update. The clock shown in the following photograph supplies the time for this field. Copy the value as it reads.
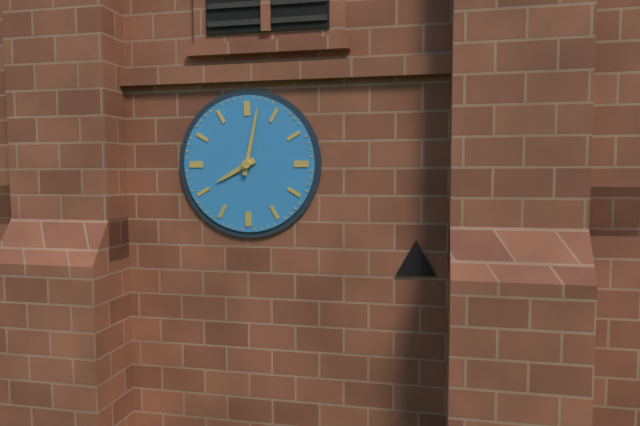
8:02
